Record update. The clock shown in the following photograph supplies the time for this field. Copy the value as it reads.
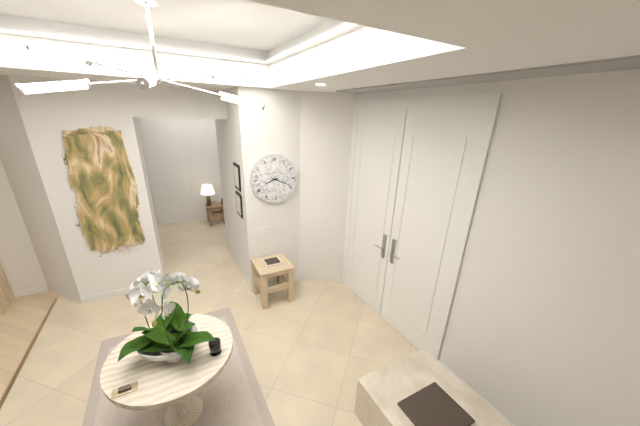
8:19
